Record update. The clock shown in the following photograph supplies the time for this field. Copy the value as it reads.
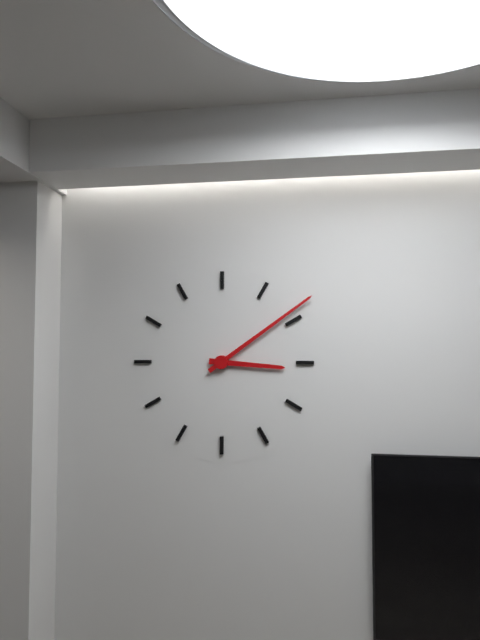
3:09
